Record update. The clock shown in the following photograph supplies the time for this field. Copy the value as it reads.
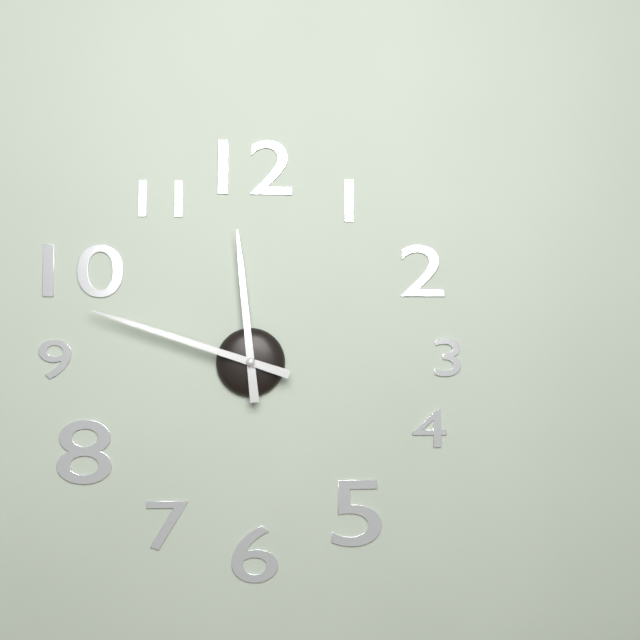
11:48
